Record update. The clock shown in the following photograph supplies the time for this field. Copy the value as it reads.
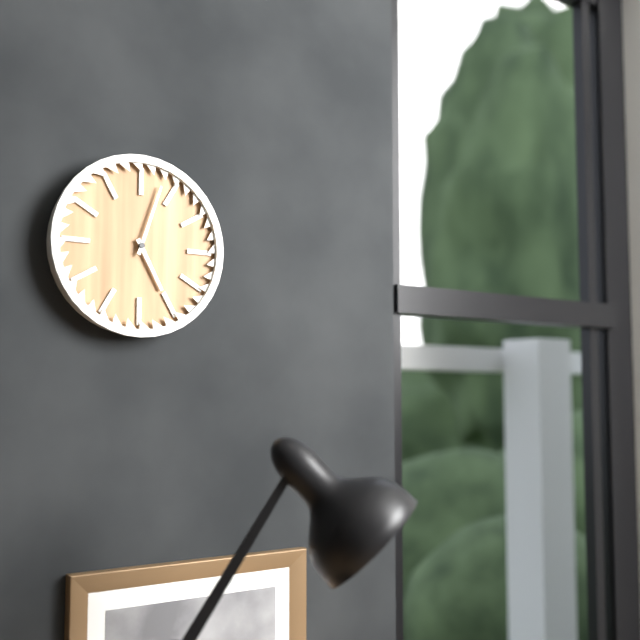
5:03
